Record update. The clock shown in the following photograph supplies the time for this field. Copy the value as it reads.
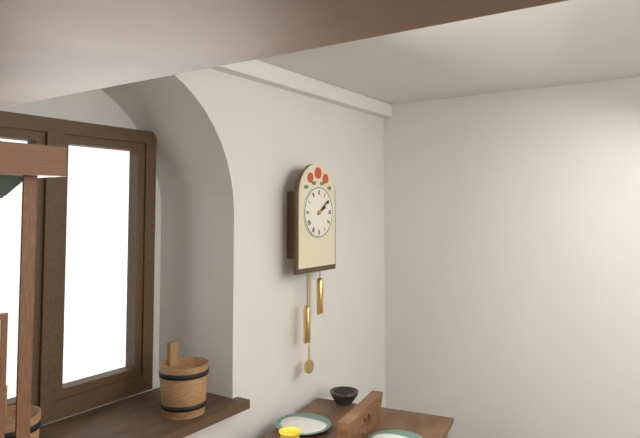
2:09
